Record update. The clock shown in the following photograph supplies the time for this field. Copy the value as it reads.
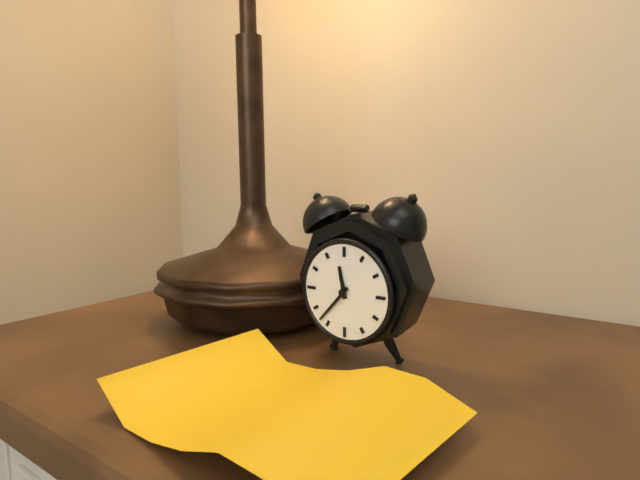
11:37
